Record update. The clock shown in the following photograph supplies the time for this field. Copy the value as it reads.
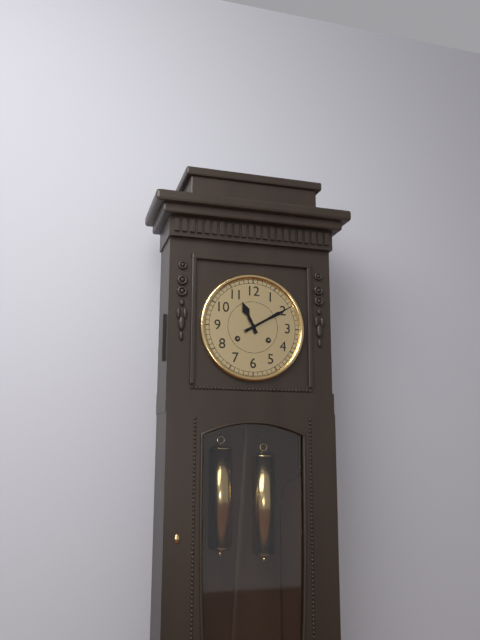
11:10
